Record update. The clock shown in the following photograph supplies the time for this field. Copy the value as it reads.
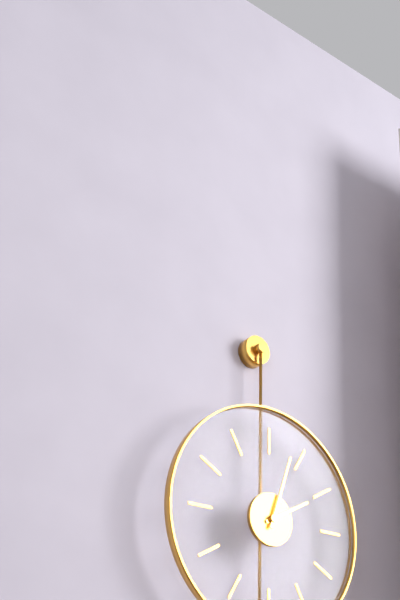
2:03
